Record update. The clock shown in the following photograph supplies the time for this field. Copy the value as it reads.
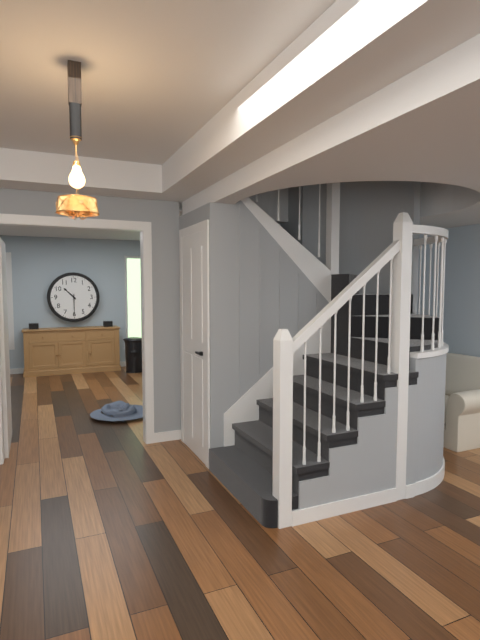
10:30
